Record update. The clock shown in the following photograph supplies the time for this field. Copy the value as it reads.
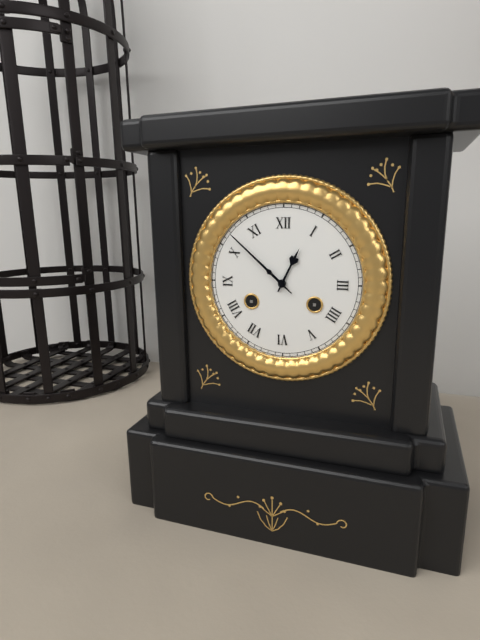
12:52
